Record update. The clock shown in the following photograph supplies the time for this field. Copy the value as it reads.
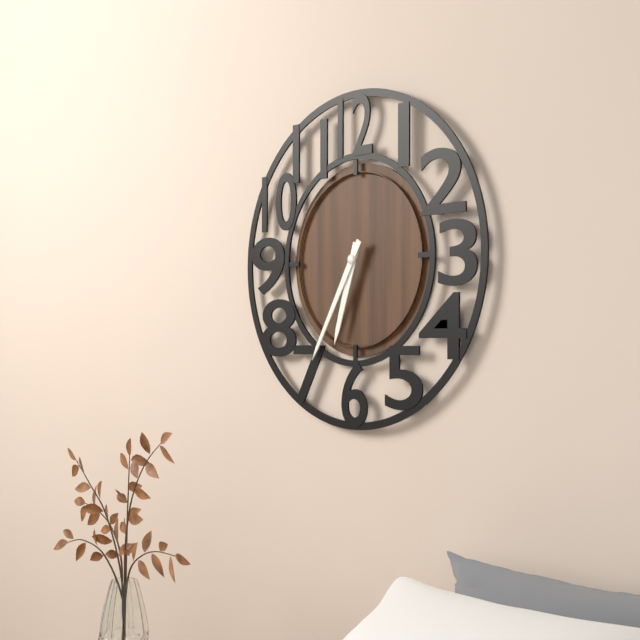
6:35
